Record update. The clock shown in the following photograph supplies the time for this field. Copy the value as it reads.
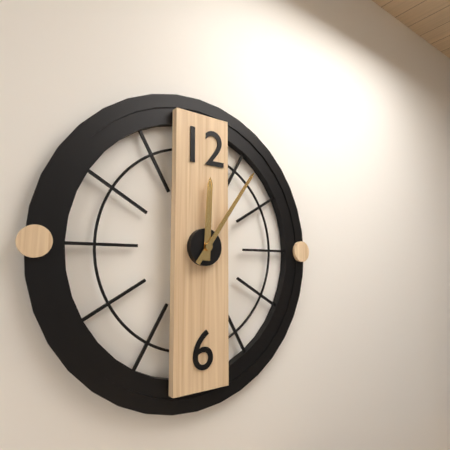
12:06
